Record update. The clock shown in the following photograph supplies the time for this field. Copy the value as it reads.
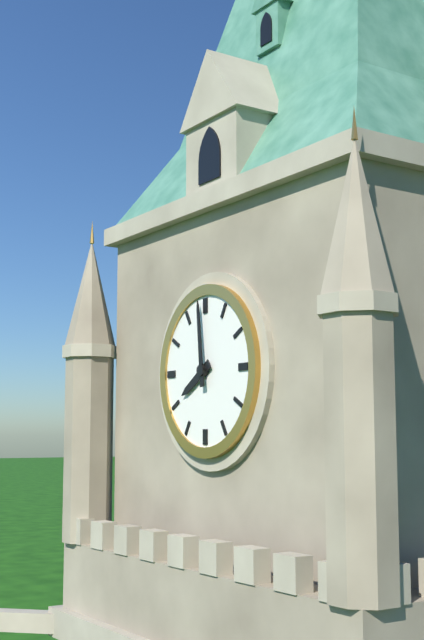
7:59
